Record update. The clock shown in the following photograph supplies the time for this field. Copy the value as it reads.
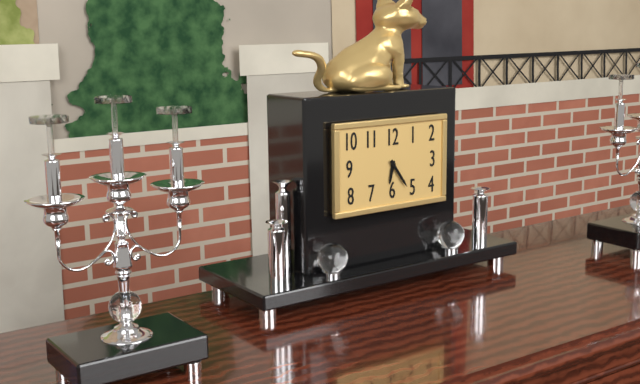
6:24
